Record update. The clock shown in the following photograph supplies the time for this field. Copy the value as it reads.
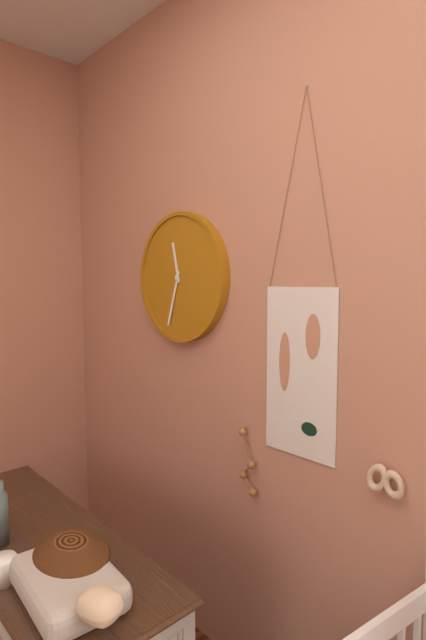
11:33
